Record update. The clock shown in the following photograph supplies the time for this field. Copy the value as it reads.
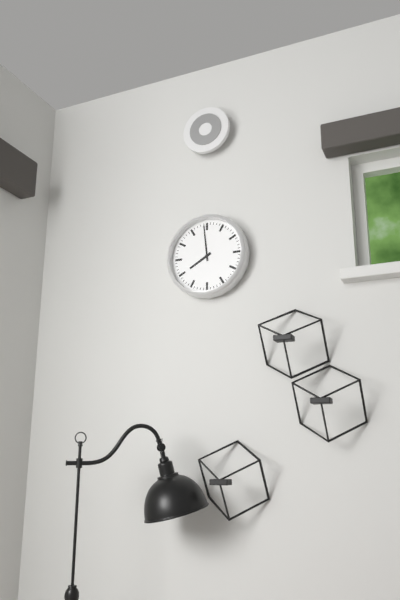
7:59
